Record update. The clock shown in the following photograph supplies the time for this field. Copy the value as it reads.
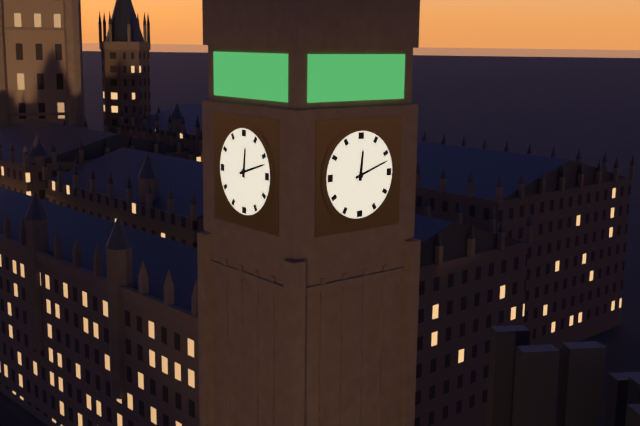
12:12
